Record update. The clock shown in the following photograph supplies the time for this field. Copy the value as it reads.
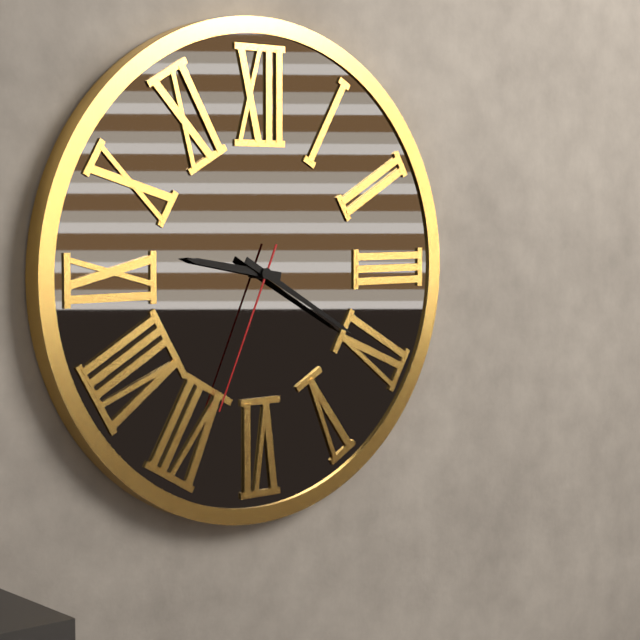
9:20:34
